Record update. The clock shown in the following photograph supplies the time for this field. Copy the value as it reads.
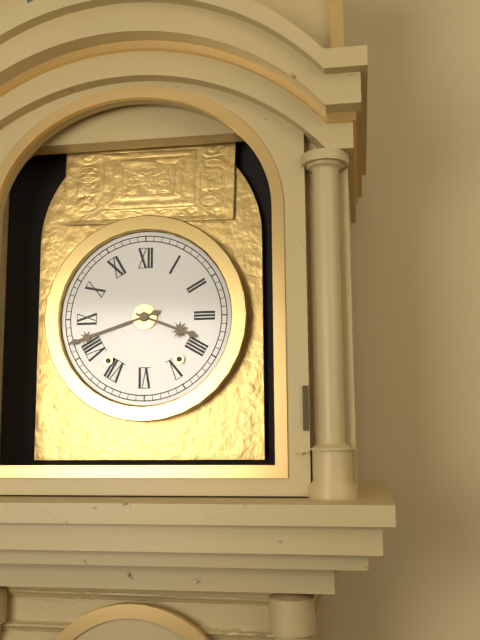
3:42
